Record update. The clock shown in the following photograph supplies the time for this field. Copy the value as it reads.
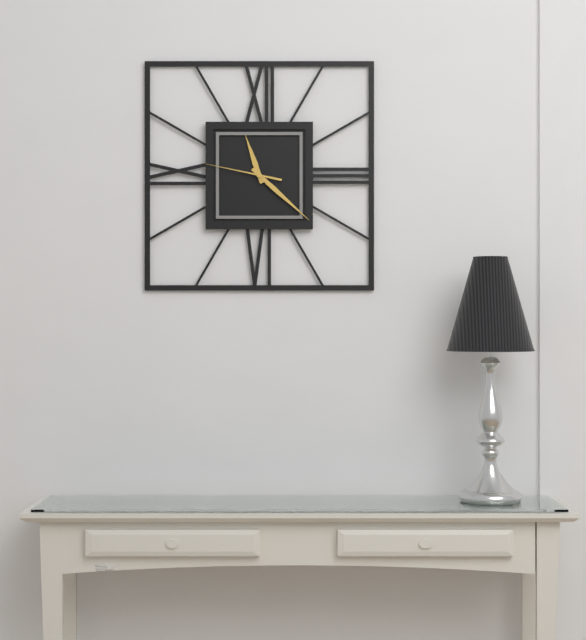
11:22:47
